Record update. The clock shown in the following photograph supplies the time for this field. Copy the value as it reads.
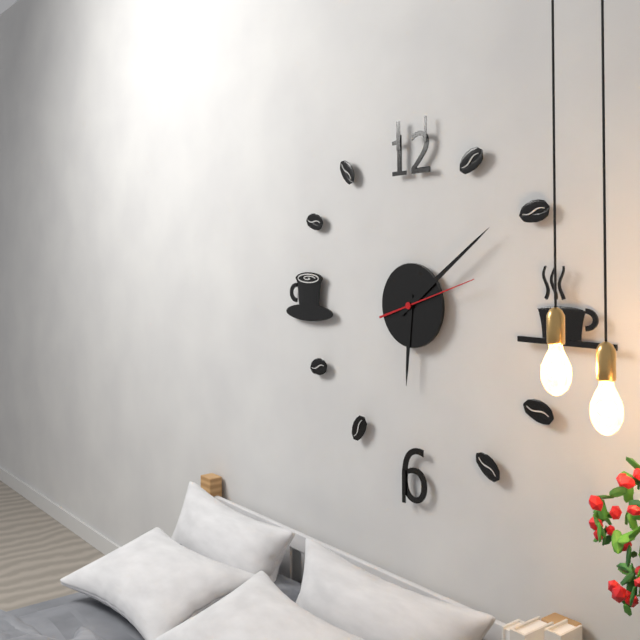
6:09:12
